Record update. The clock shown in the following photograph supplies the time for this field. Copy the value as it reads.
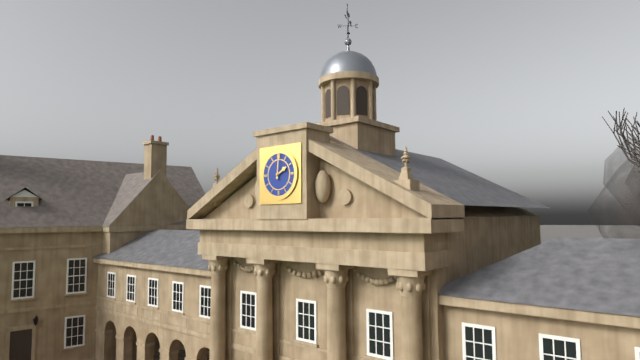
2:01
